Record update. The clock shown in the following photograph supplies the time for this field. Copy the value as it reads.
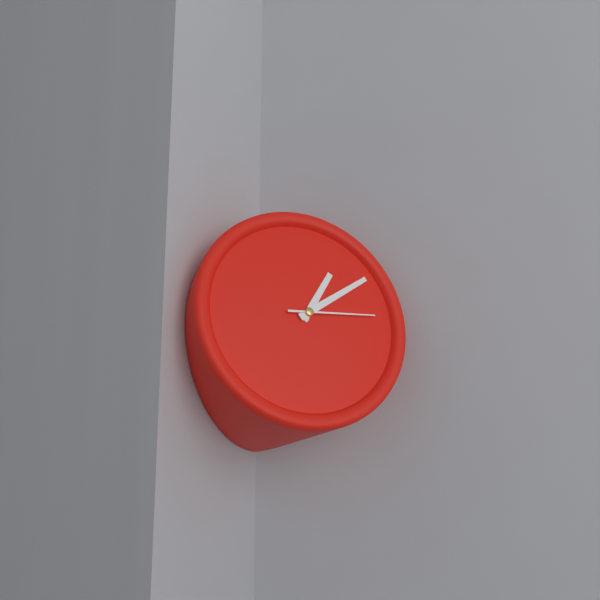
1:10:15
